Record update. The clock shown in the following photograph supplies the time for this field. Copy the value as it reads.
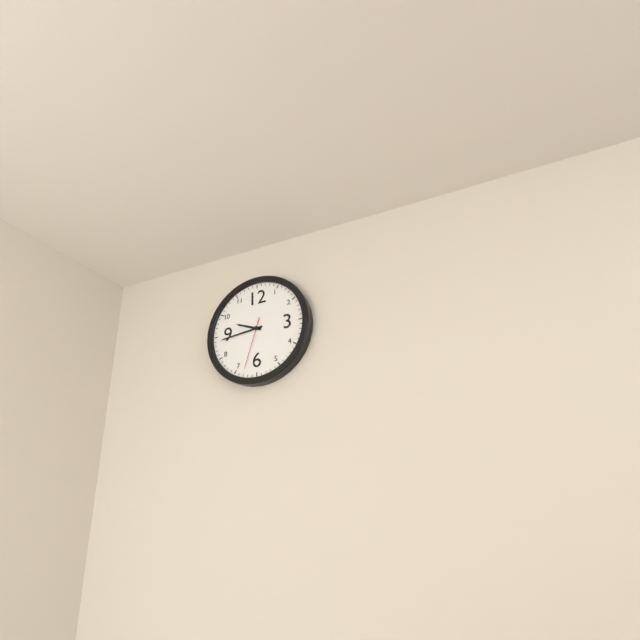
9:44:33
